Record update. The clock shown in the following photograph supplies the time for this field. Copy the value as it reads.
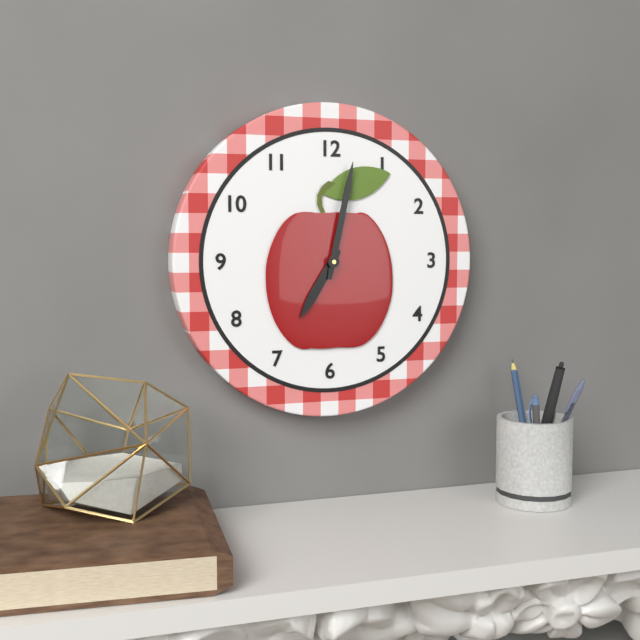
7:02
